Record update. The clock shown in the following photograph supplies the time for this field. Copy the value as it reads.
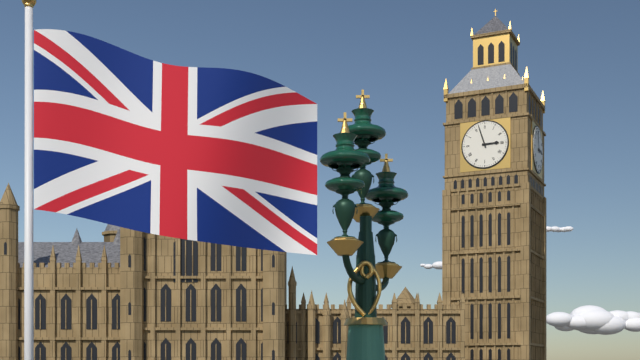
2:57
